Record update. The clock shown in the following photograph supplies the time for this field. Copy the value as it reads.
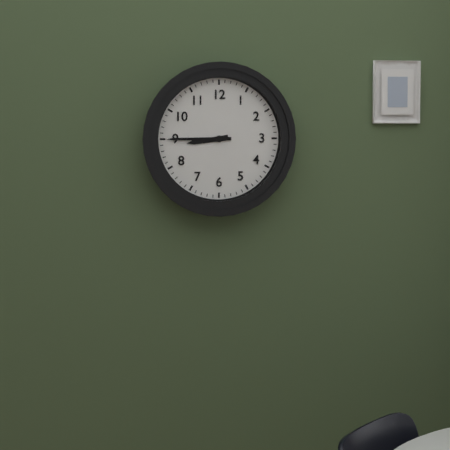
8:45
